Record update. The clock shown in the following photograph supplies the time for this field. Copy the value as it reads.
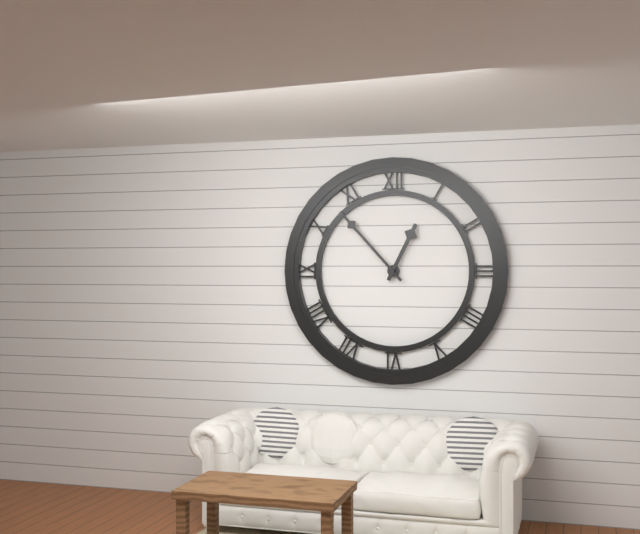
12:53
